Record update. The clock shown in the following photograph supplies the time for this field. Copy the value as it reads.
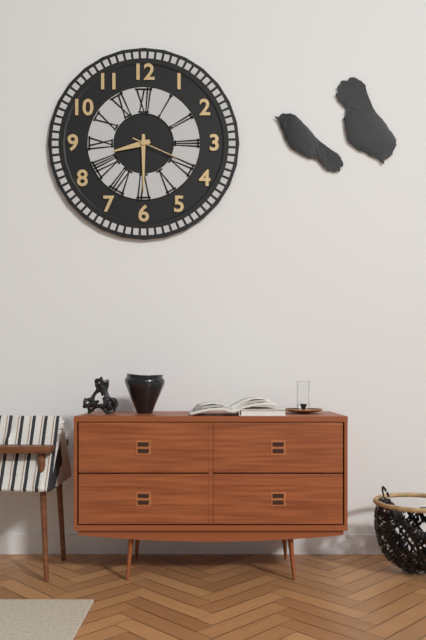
8:30
